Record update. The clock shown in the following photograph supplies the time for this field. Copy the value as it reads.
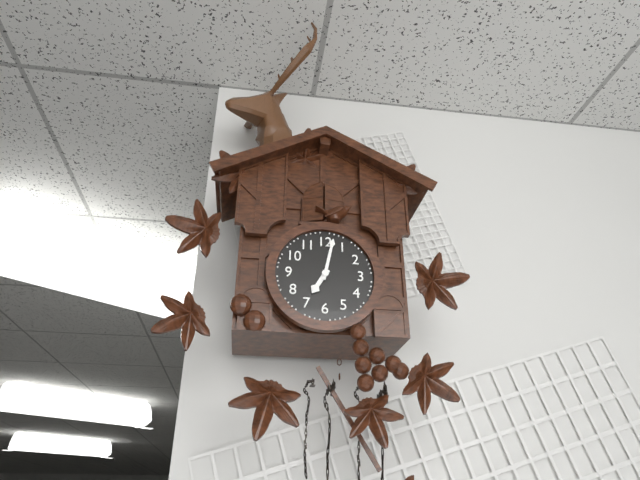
7:02
